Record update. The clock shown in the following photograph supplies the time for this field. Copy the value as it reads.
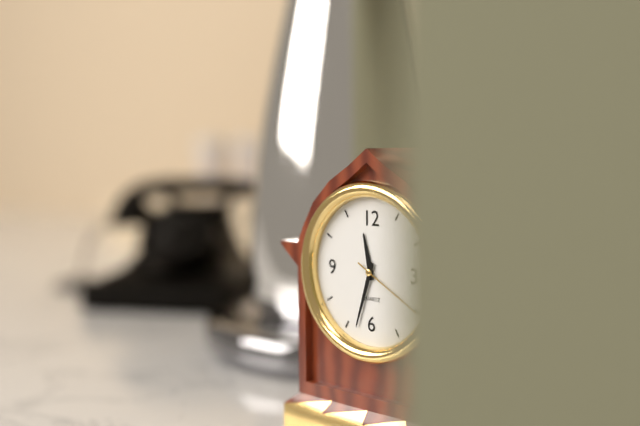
11:33
